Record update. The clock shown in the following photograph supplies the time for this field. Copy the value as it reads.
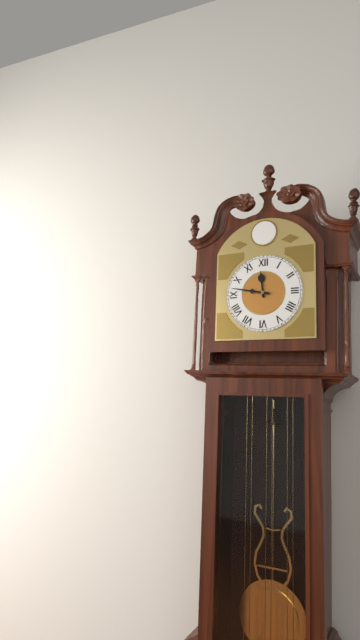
11:47
